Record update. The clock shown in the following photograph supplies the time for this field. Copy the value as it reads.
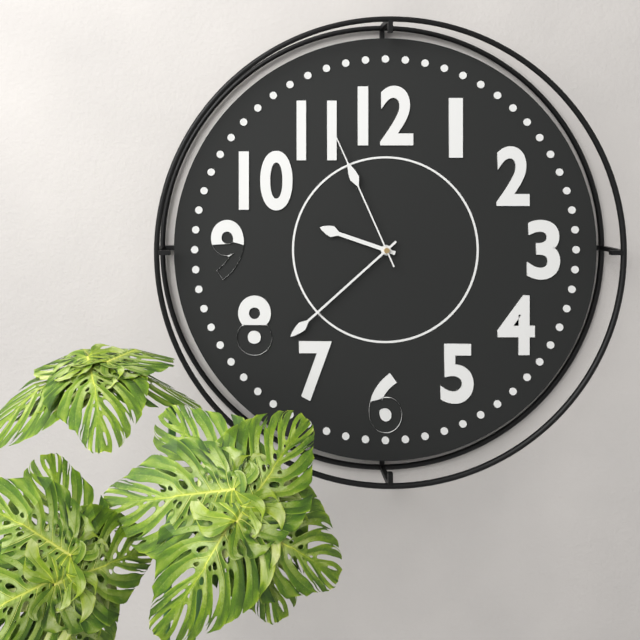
9:38:56
